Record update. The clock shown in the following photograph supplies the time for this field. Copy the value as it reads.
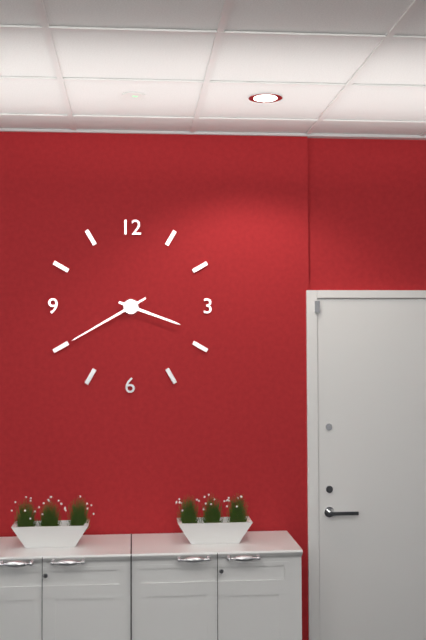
3:40
